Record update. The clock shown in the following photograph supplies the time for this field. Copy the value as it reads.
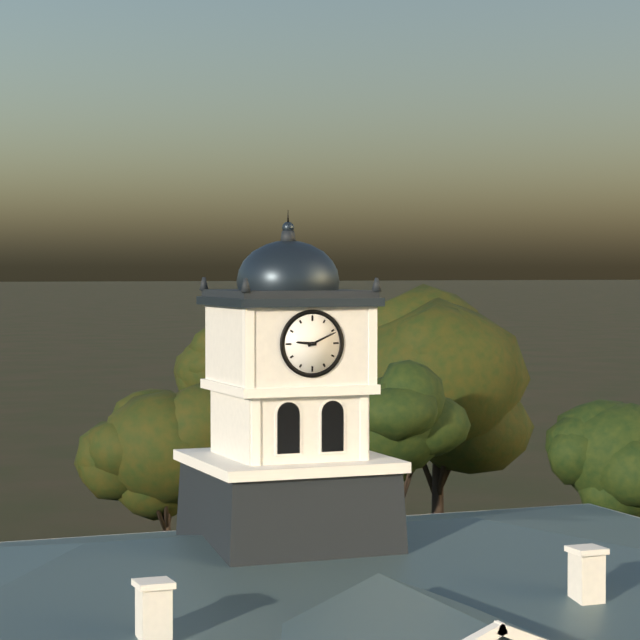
9:11
